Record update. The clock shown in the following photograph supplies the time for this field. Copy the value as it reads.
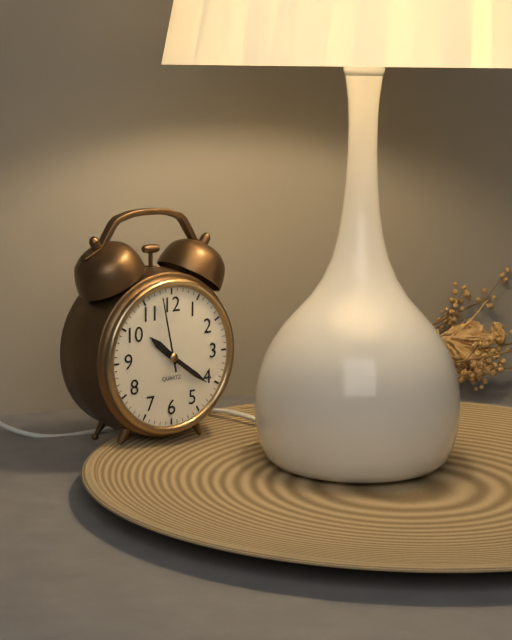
10:21:58
